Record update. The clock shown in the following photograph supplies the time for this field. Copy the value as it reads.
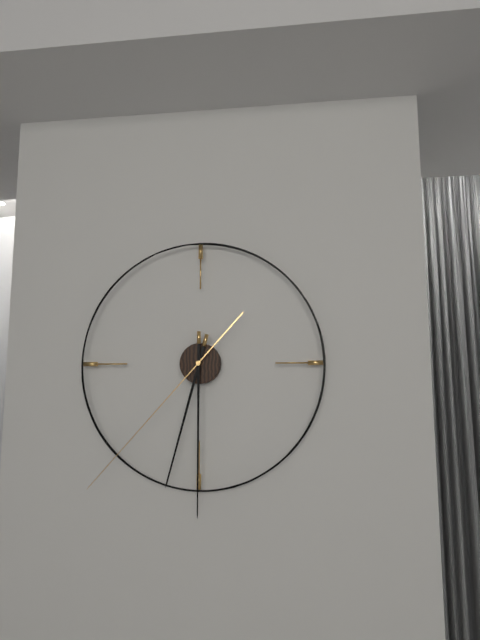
6:30:37
